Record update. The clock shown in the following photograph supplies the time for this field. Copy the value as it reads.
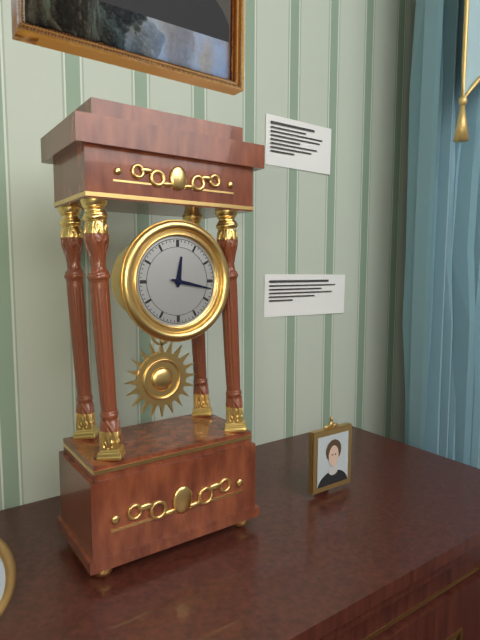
12:17
